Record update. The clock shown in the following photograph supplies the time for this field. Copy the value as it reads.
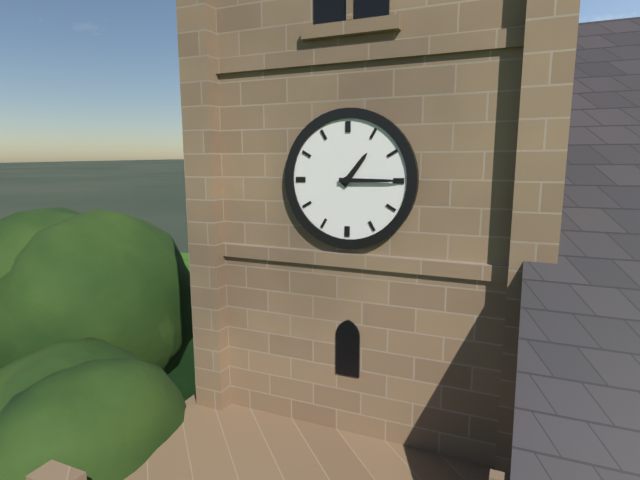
1:15
